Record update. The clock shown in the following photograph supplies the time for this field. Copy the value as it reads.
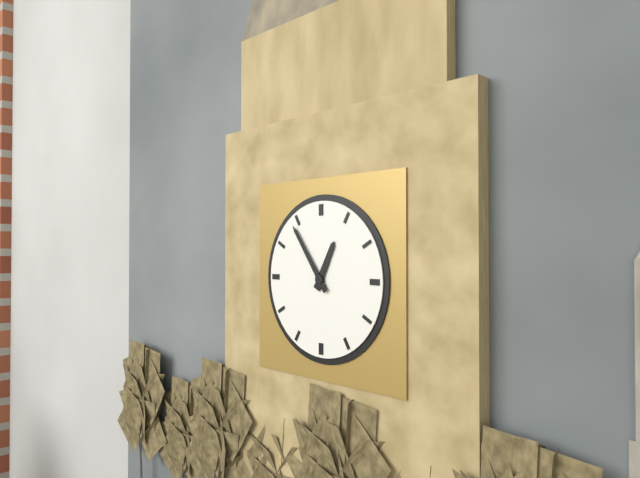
12:54
